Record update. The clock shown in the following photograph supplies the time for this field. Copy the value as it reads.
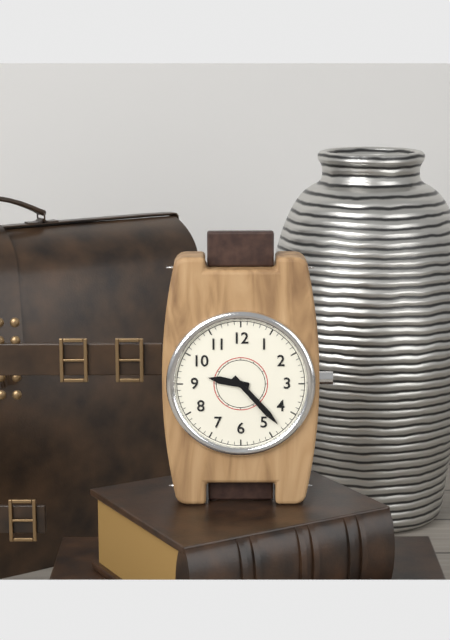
9:23
